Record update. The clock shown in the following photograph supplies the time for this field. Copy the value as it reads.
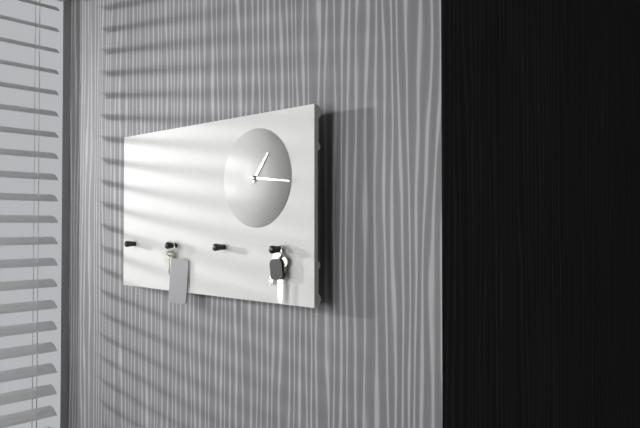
1:16
